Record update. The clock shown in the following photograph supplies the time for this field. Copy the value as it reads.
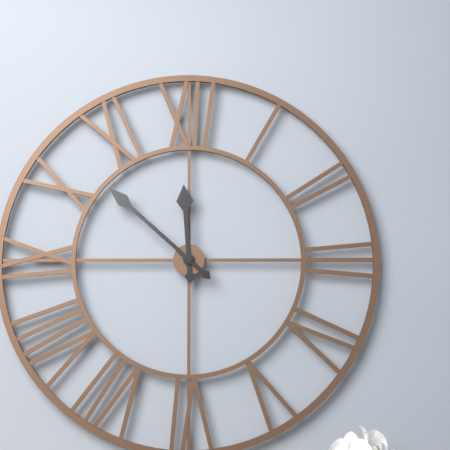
11:52
